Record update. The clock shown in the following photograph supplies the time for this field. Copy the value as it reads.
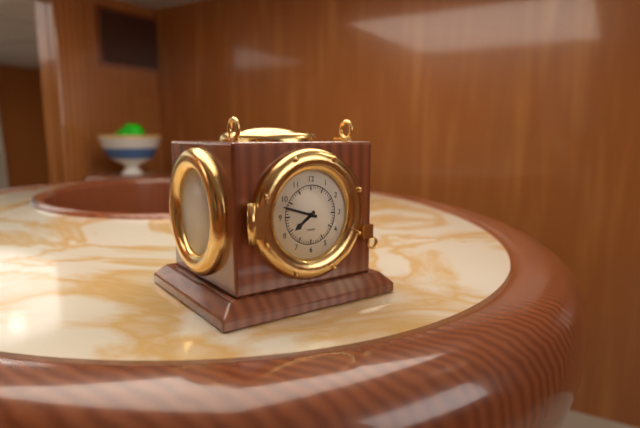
7:48
